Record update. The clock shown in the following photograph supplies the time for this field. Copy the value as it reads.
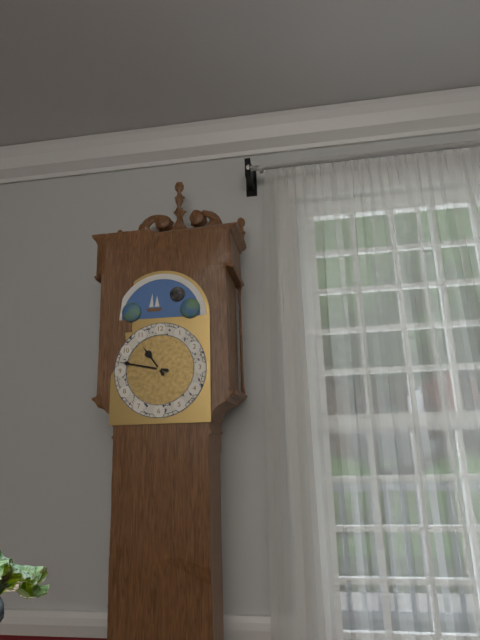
10:47
